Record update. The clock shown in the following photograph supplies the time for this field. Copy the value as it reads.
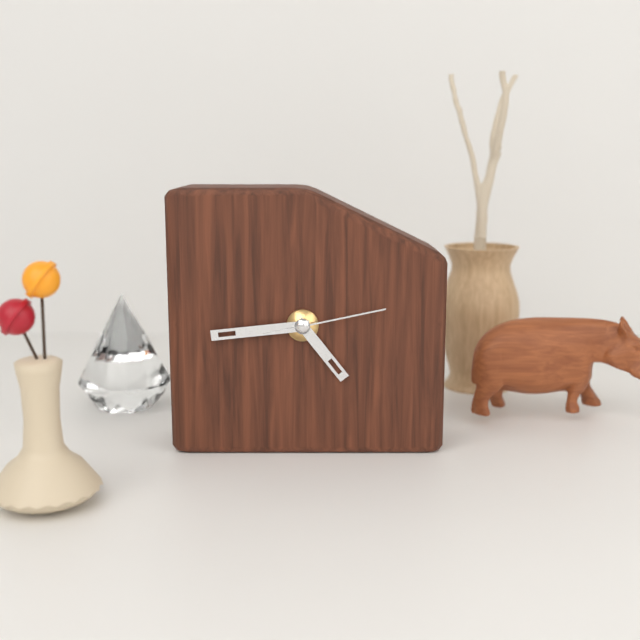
4:44:13
